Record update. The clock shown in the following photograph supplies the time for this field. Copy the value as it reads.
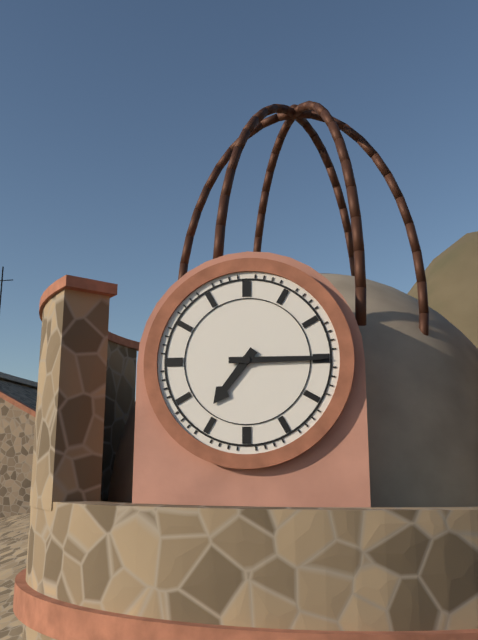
7:15
